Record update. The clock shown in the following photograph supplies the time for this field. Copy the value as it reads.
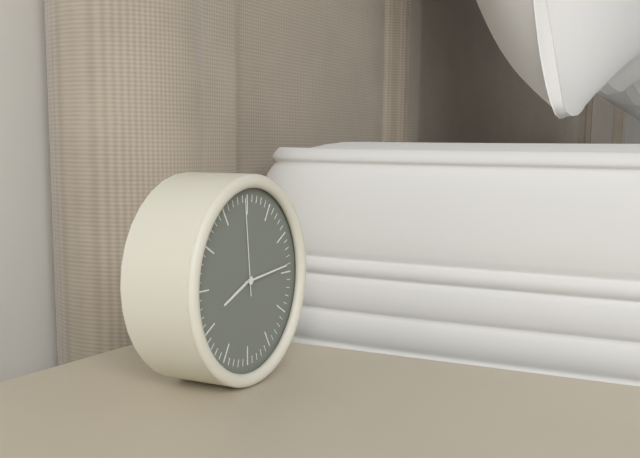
8:14:59
